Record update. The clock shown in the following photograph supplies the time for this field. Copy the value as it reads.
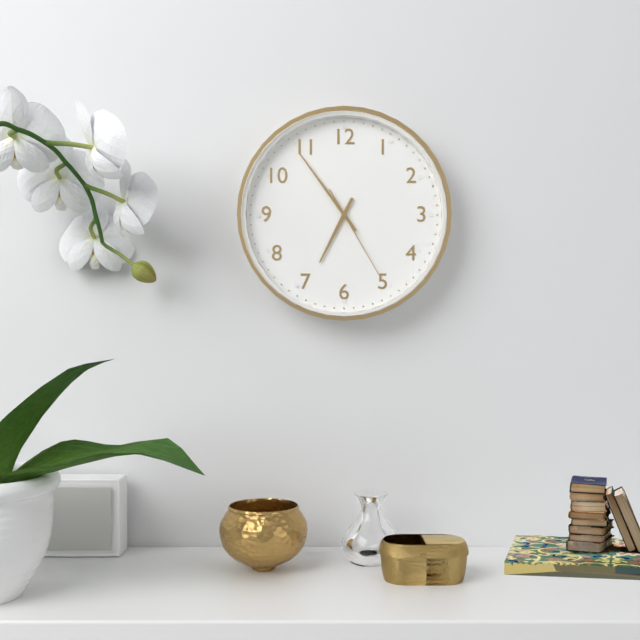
6:54:25
